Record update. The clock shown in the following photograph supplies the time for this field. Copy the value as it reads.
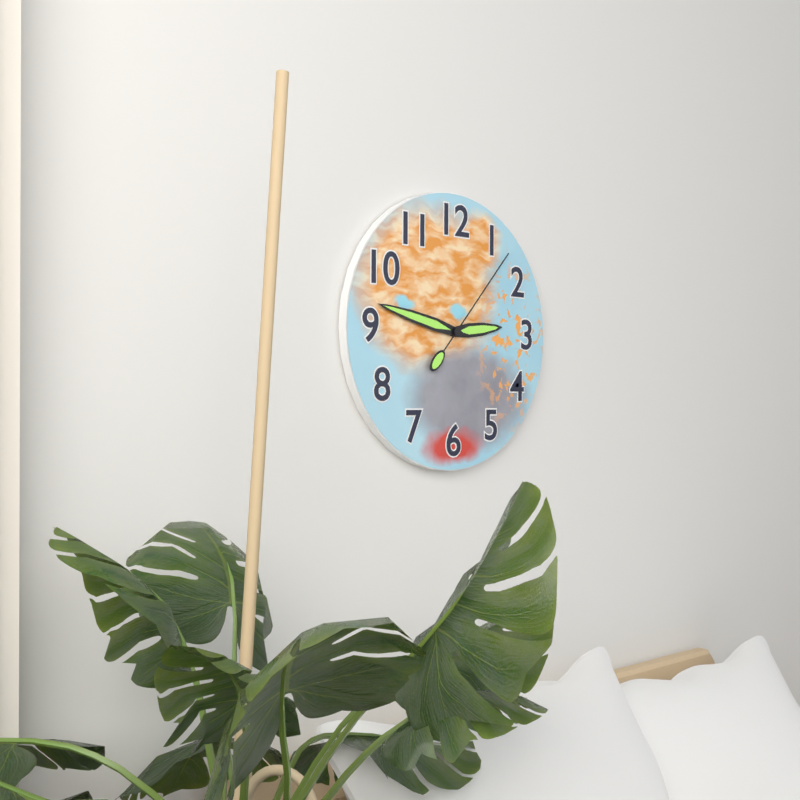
2:47:07
